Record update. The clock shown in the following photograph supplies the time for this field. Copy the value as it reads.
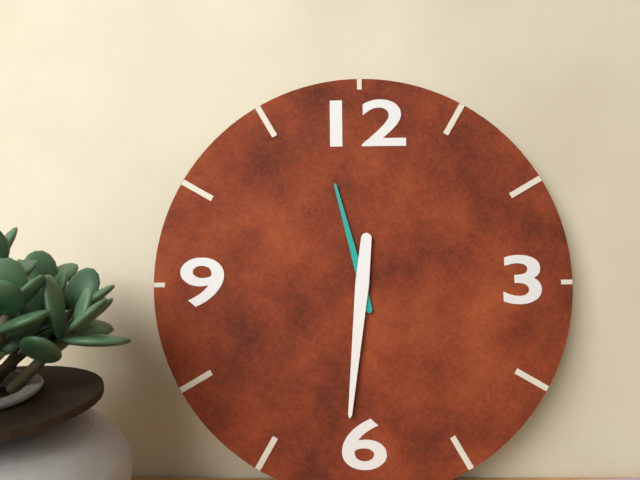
11:31
